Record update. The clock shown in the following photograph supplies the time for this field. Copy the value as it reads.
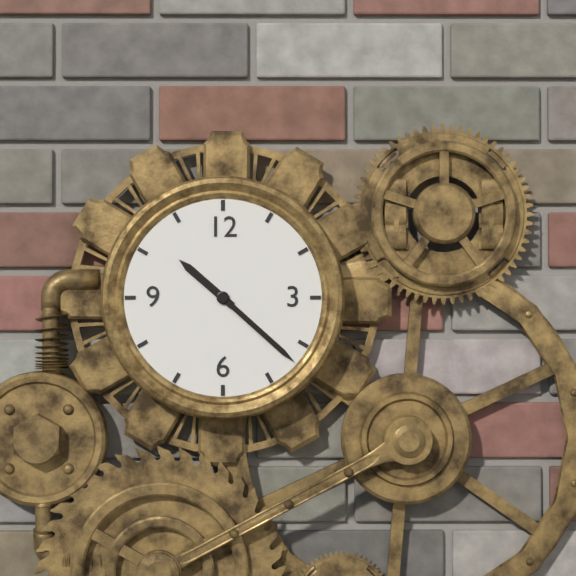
10:22
